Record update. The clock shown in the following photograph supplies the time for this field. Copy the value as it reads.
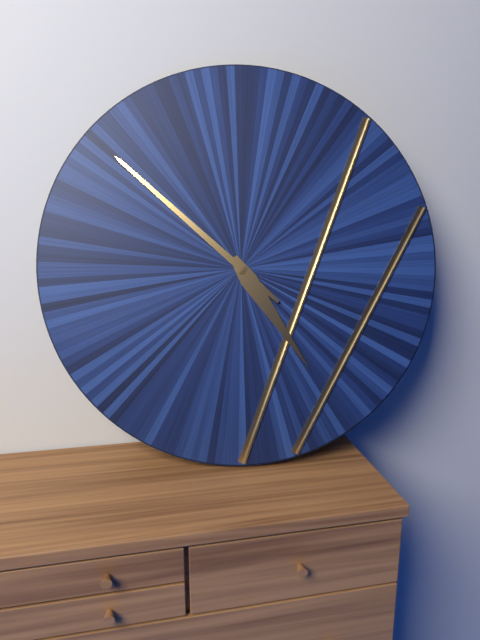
4:52
